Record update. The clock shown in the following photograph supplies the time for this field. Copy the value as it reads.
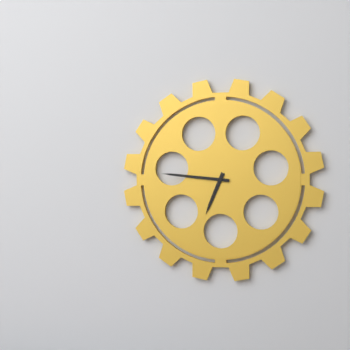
6:46
